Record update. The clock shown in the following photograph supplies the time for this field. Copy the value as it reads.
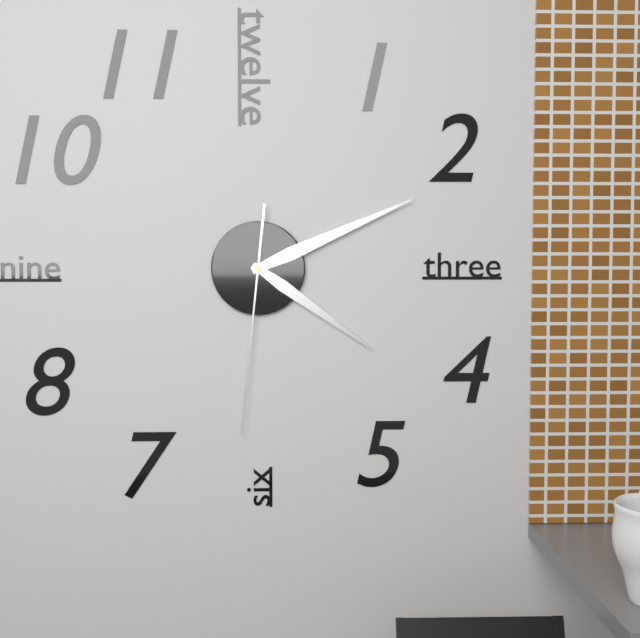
4:11:31
